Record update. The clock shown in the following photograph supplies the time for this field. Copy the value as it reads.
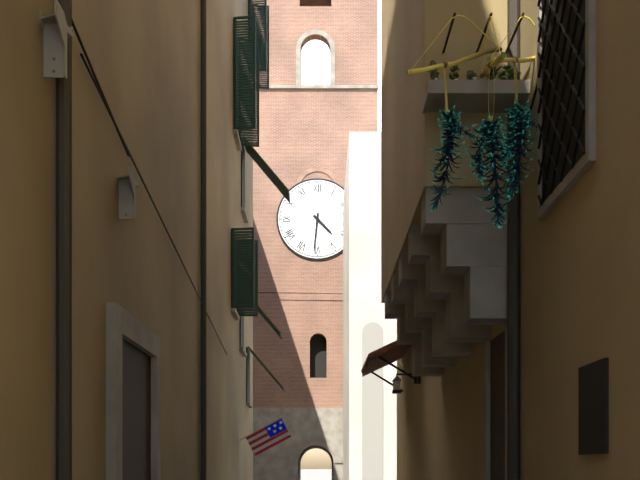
4:31
